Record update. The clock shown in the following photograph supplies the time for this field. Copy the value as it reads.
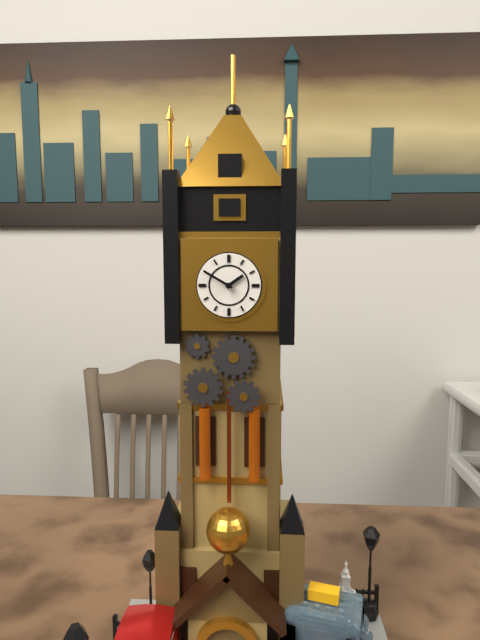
1:50
